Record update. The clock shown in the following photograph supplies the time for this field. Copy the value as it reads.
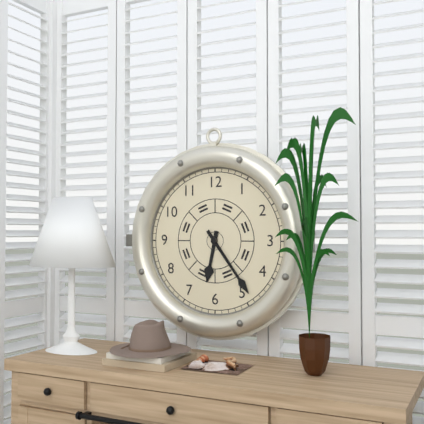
6:24
